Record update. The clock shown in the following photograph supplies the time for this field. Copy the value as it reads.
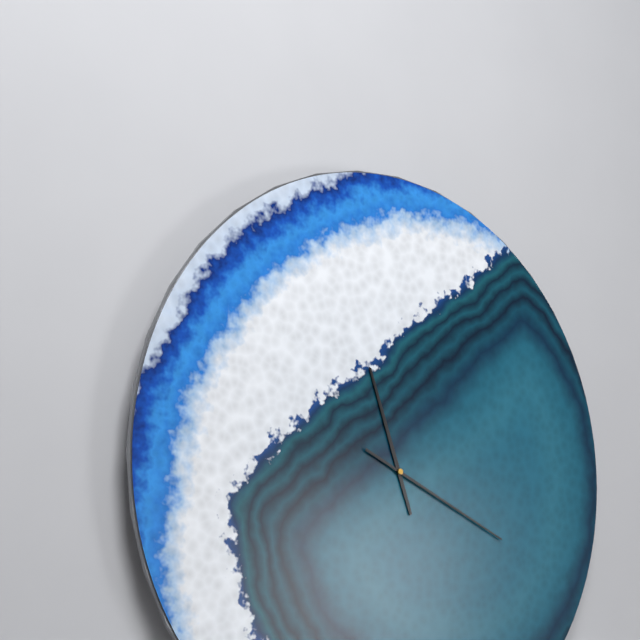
11:19
